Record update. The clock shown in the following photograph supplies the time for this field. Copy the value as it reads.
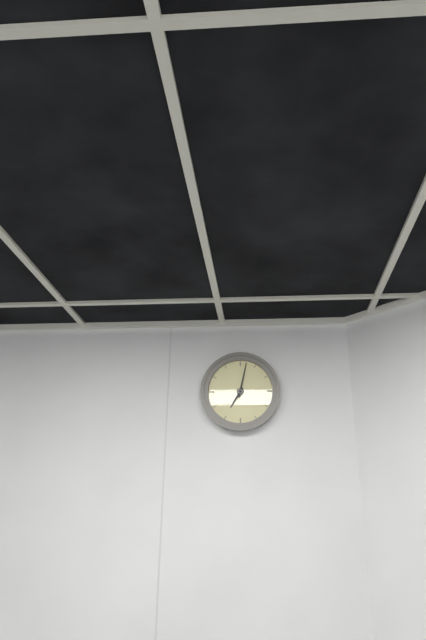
7:02
